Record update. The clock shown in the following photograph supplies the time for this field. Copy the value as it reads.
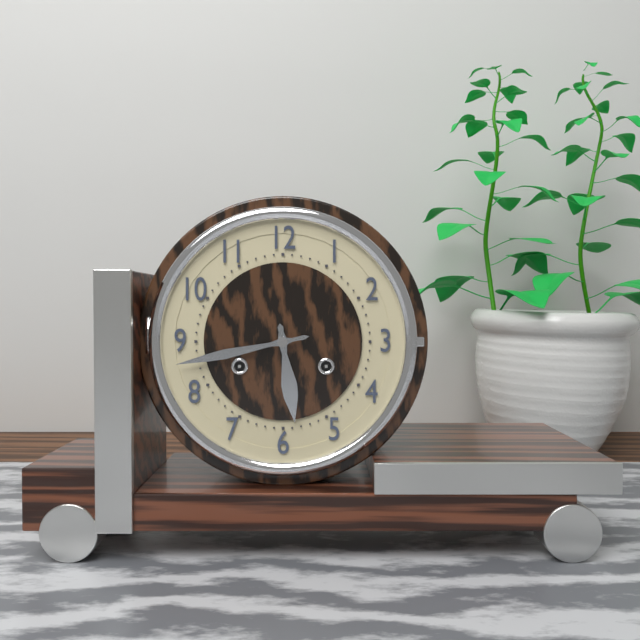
5:43
